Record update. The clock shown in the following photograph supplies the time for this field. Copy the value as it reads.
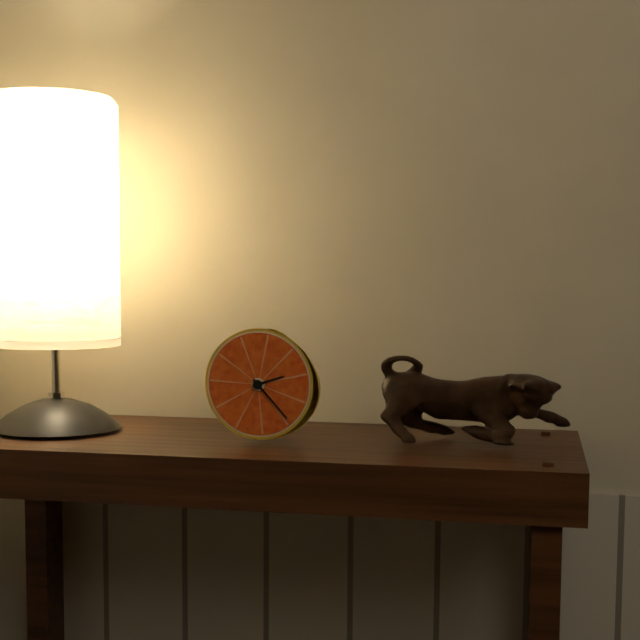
2:23
